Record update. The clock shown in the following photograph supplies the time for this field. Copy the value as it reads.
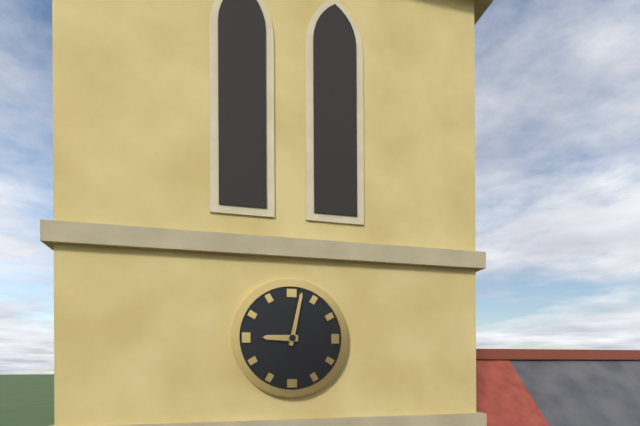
9:02
